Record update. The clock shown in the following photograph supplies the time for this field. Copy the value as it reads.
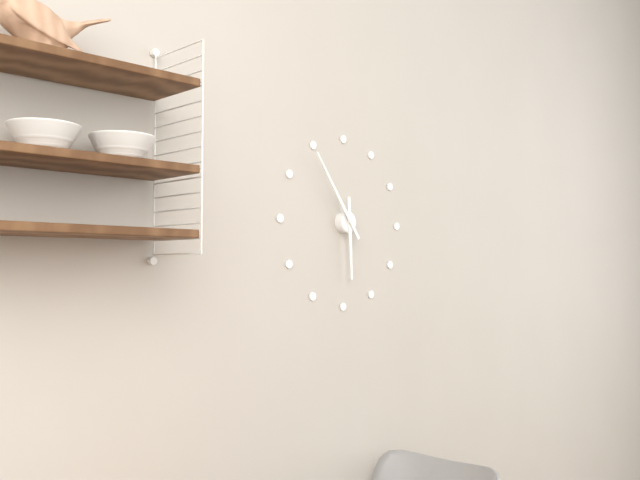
5:54
